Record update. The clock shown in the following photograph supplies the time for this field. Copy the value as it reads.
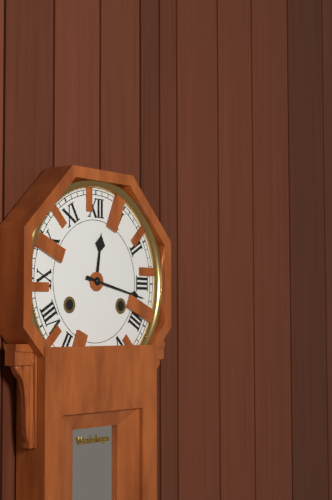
12:17
